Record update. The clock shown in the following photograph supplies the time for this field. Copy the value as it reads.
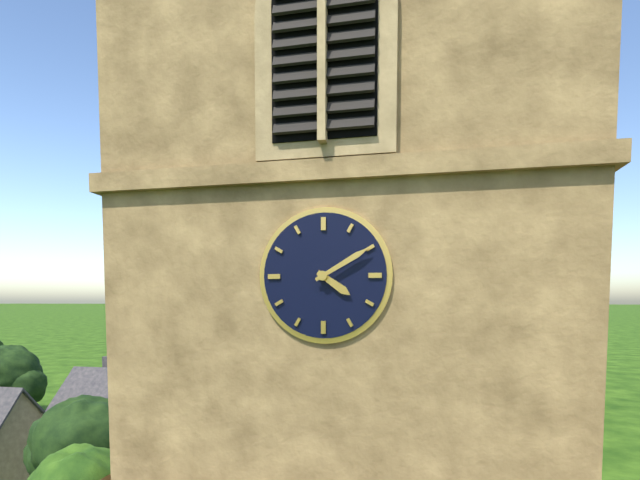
4:10
